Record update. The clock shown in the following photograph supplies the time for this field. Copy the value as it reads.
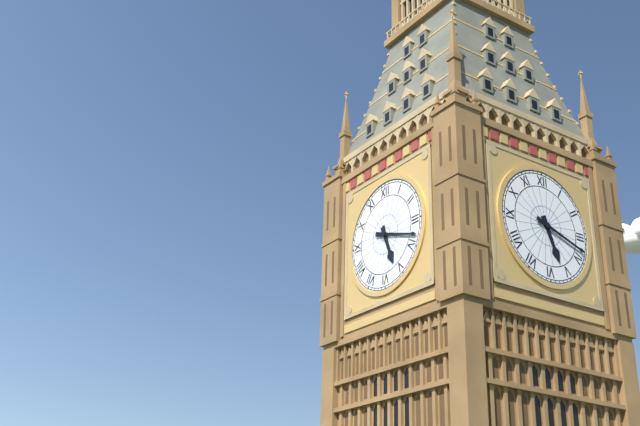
5:18
